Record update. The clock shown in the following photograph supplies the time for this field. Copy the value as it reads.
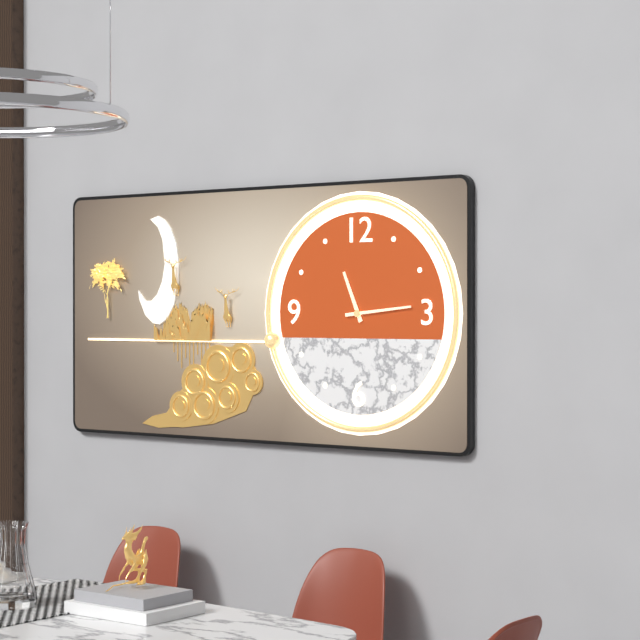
11:14
